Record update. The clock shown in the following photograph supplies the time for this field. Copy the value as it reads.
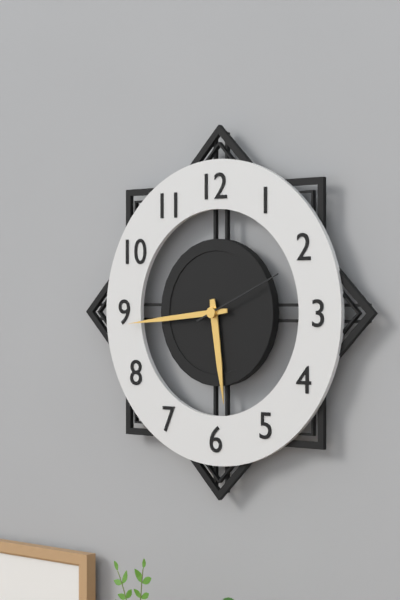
5:44:11
